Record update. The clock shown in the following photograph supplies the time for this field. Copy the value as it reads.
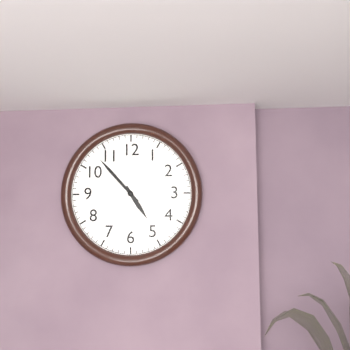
4:53
